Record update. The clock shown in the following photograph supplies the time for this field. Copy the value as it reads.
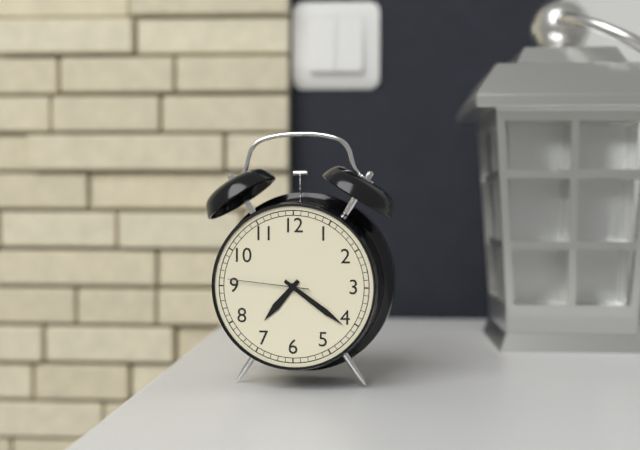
7:21:46
